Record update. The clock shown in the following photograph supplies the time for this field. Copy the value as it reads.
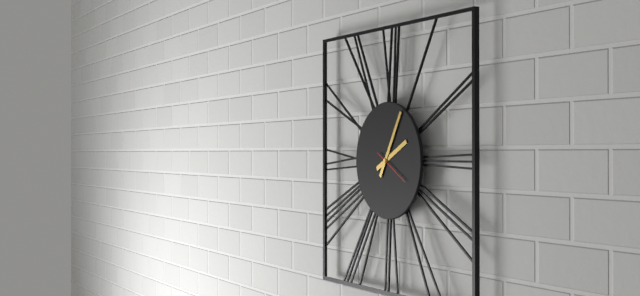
2:05
